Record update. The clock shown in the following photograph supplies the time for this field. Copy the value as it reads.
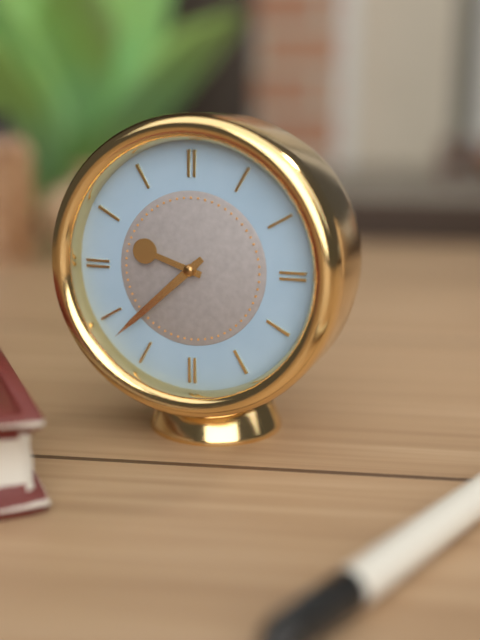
9:38
